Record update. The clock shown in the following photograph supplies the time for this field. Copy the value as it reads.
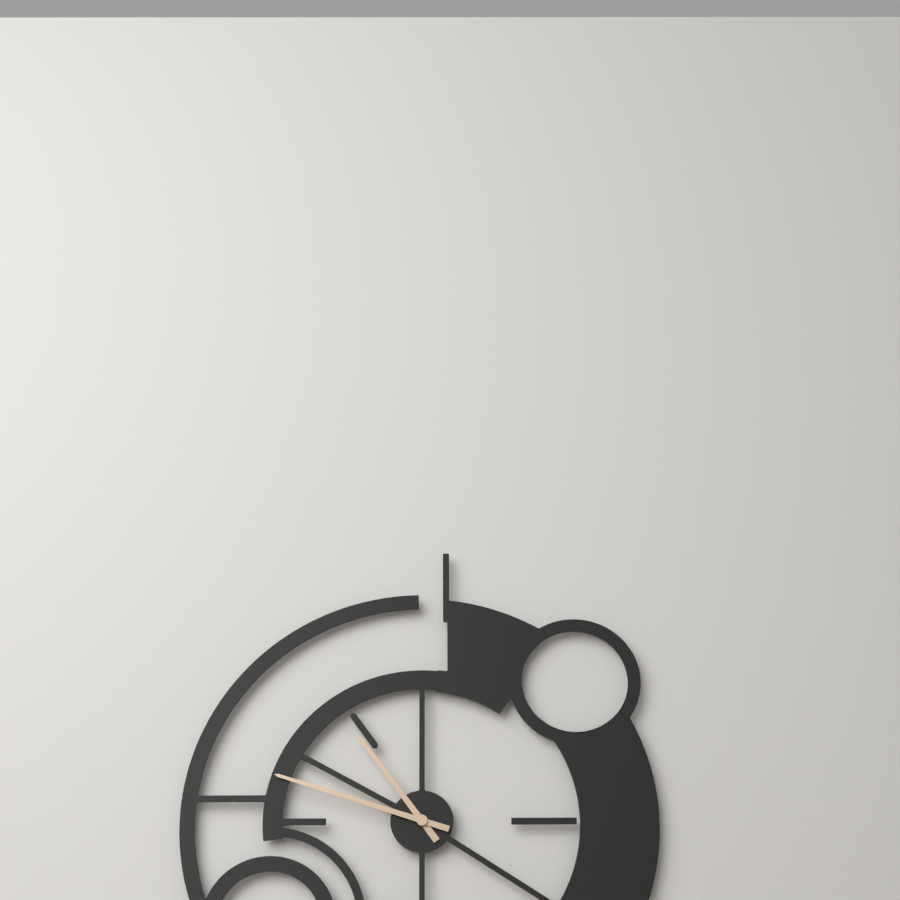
10:48
